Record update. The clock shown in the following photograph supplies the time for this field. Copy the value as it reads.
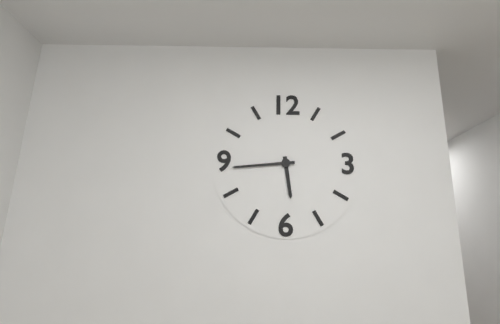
5:44
